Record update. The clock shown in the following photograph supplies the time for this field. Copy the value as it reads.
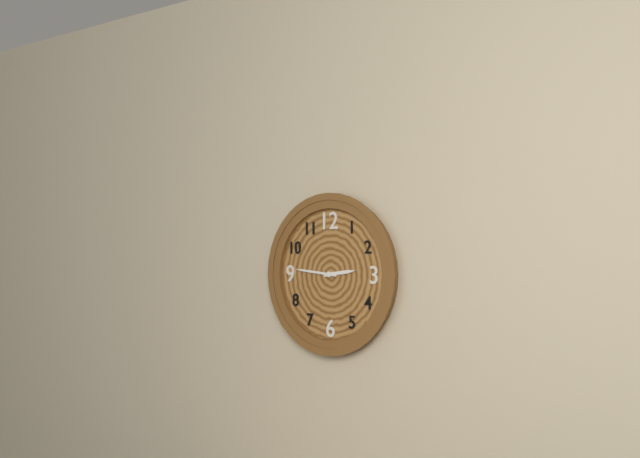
2:46
